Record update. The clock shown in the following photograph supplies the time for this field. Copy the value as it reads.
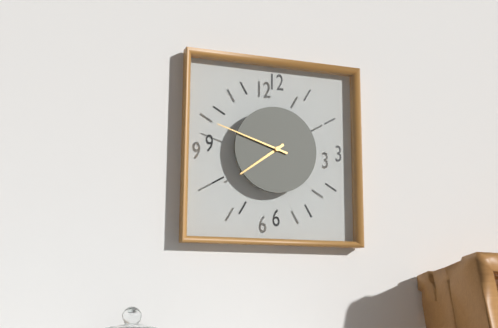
7:48
